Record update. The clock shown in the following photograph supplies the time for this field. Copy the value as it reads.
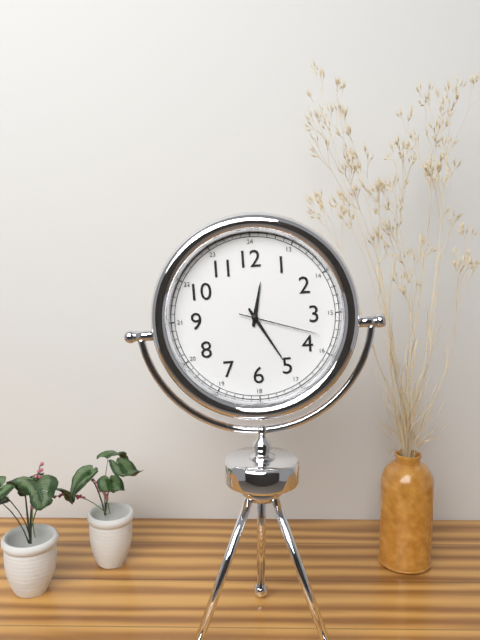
12:25:18
